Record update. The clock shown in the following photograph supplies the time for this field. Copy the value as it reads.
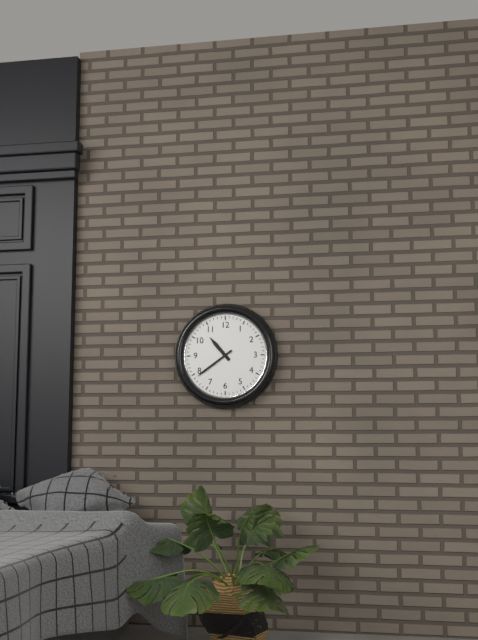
10:39
